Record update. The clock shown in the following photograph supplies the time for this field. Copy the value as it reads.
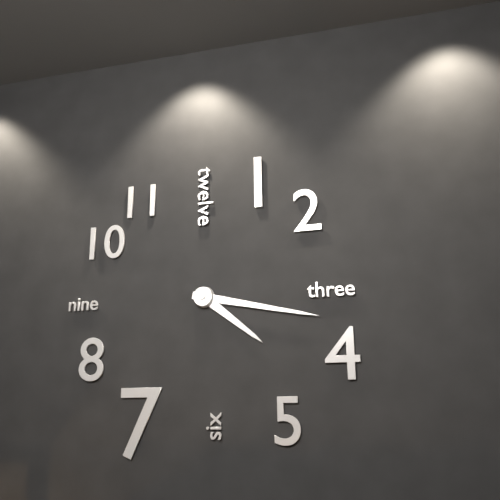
4:17
